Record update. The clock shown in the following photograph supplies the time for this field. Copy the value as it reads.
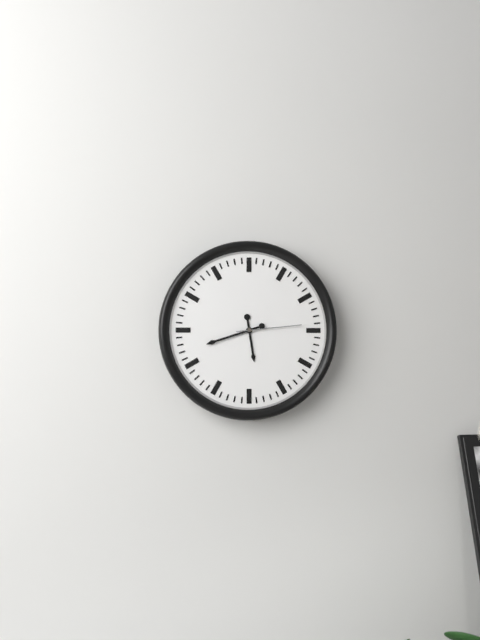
5:42:14
